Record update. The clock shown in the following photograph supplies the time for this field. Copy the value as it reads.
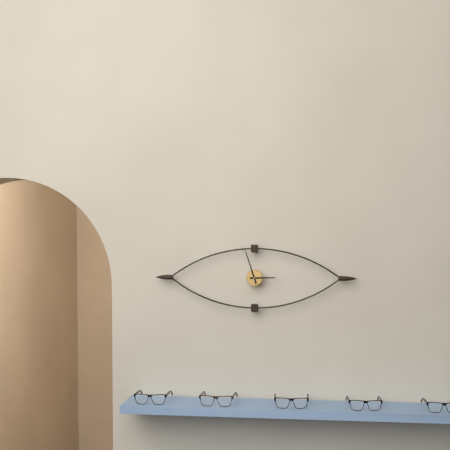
2:57
